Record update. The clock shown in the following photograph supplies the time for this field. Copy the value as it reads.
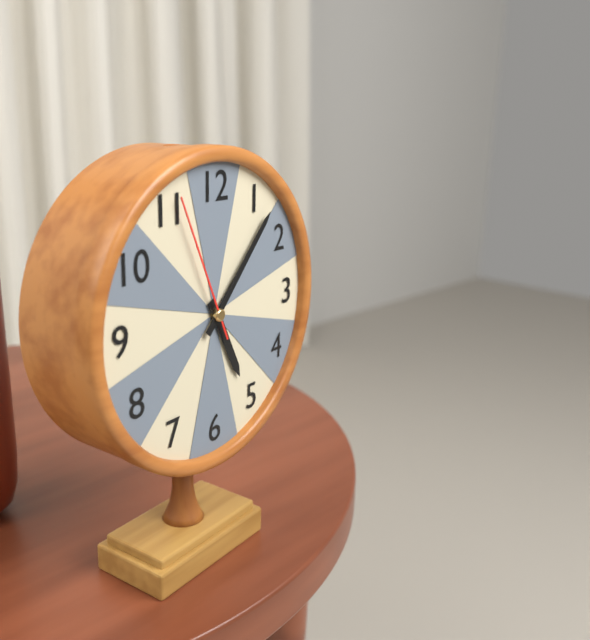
5:07:56
